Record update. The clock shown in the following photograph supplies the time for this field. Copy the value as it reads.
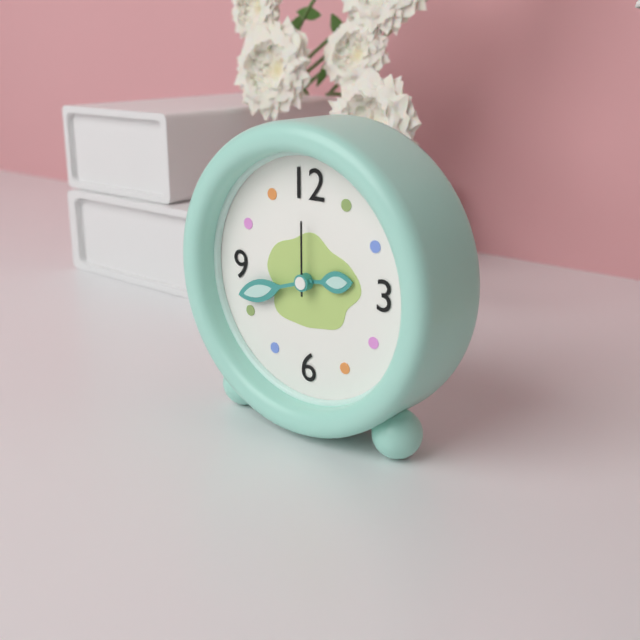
2:42:00
